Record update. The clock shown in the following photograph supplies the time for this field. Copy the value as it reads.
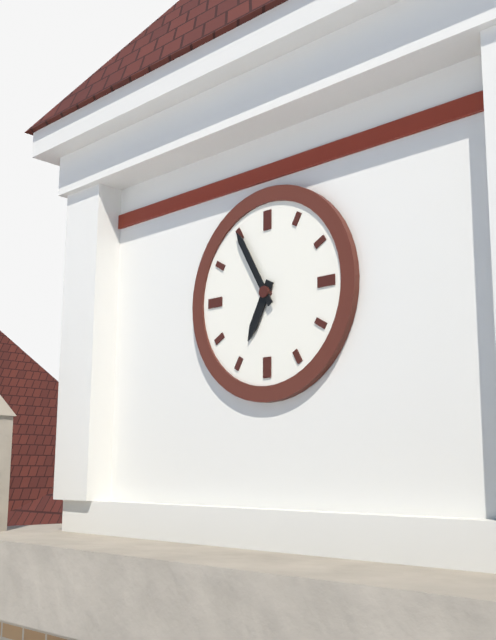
6:55
